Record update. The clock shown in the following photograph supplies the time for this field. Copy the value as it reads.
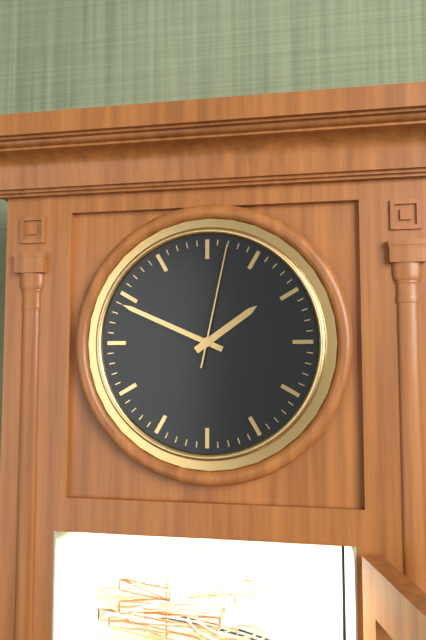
1:49:02
